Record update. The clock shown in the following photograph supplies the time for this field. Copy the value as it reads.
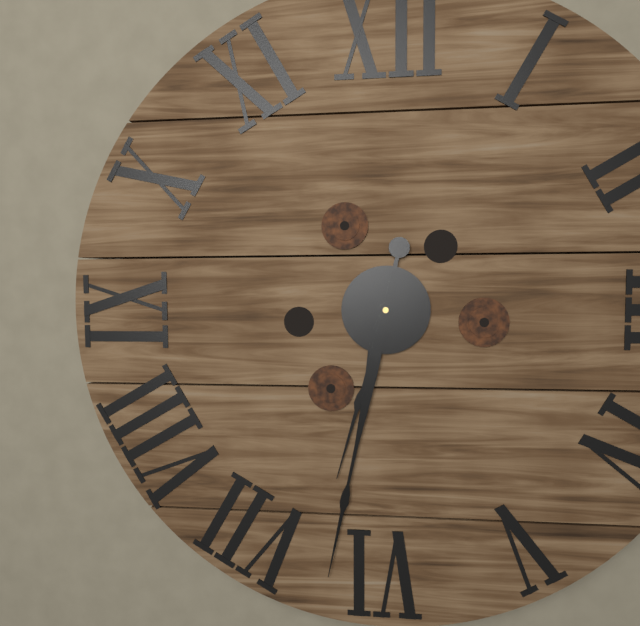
6:32
